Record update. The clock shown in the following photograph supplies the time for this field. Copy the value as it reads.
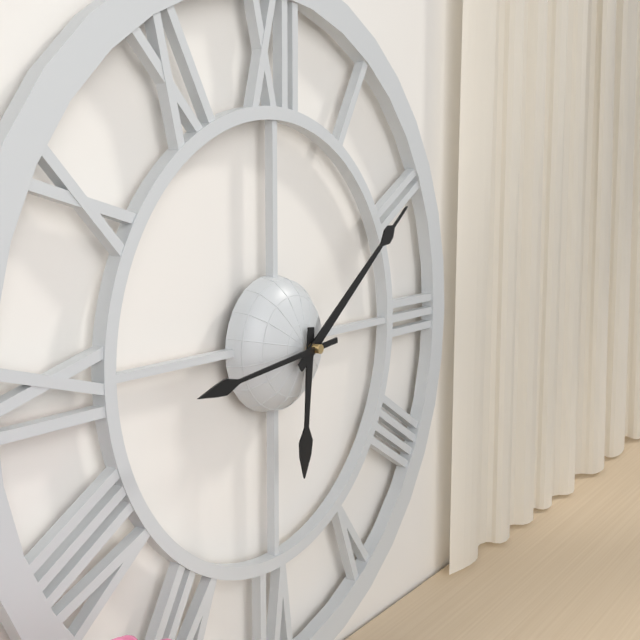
6:09:44
